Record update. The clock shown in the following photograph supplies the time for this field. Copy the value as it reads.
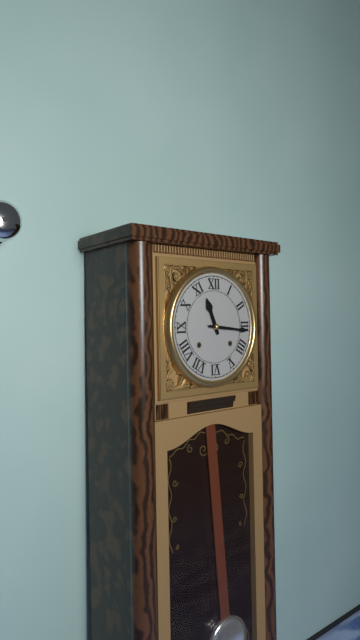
11:16
